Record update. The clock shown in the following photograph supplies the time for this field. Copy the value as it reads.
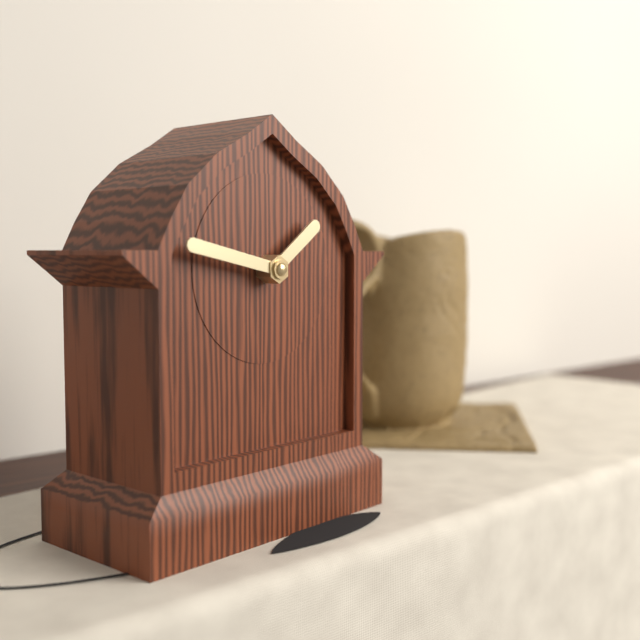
1:47
